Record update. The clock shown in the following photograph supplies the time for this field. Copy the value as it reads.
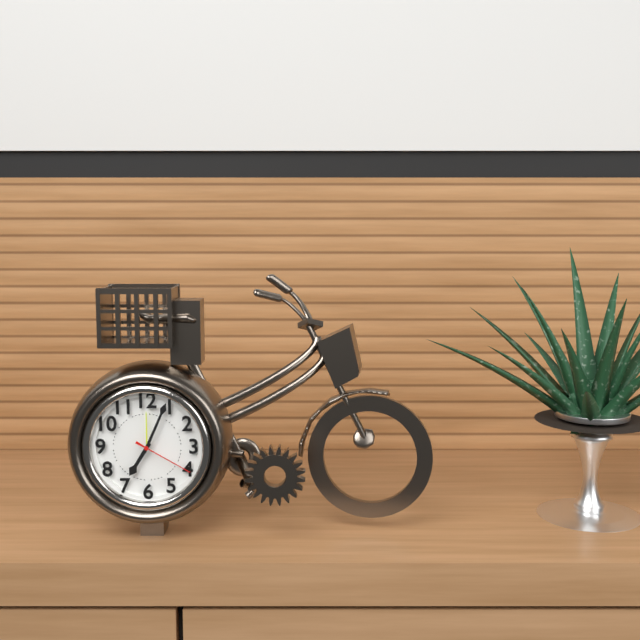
7:04:20
